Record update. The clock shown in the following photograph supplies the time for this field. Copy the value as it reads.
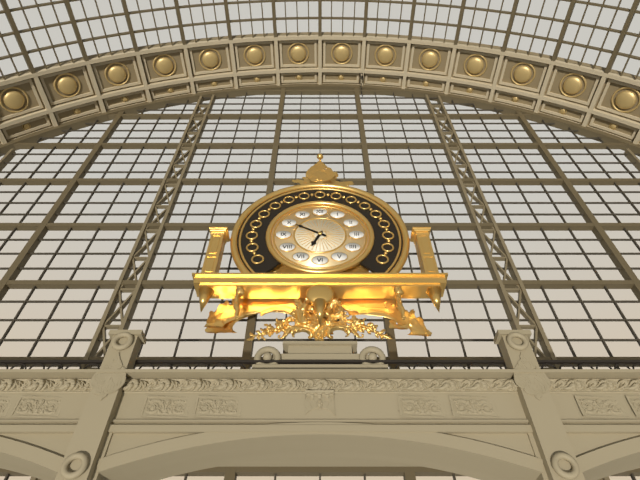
6:50
